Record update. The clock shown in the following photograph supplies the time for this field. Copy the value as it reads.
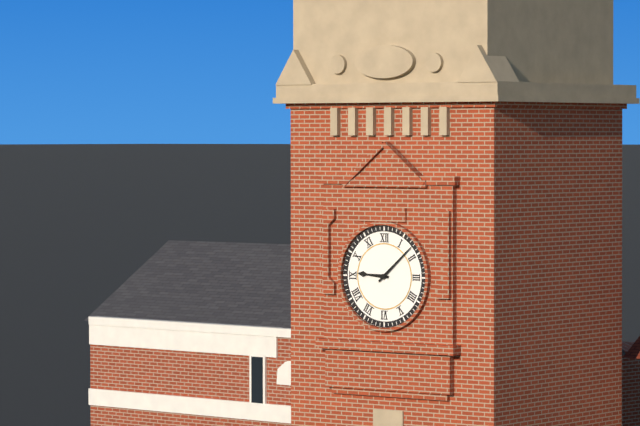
9:08
